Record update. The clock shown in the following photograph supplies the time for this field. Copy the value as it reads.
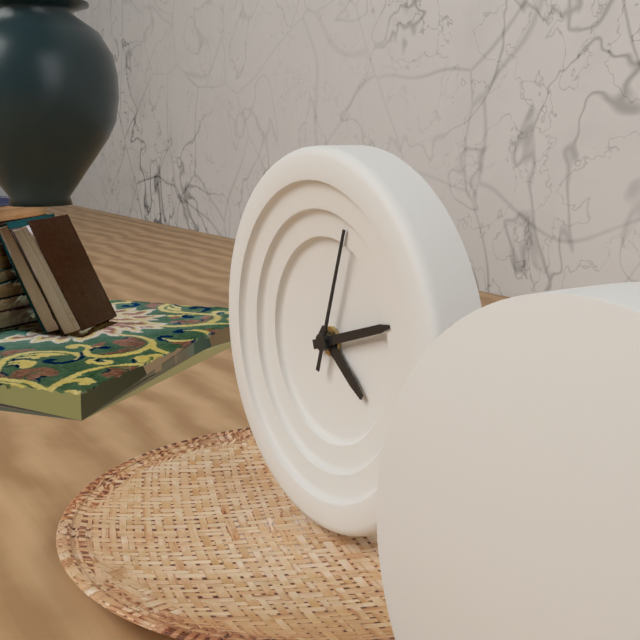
4:12:03
